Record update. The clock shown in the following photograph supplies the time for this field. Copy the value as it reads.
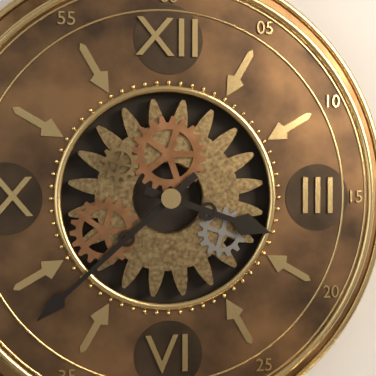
3:38
